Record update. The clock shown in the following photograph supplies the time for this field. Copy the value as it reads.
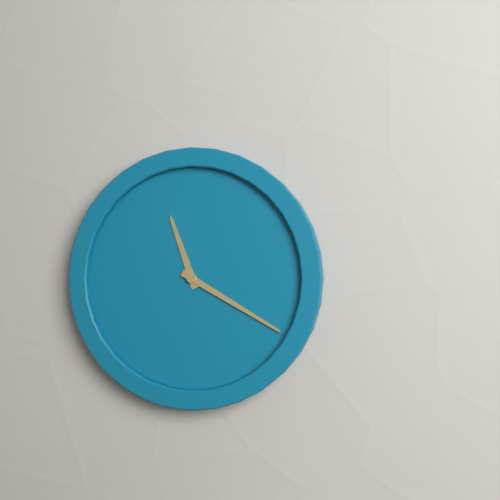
11:20
